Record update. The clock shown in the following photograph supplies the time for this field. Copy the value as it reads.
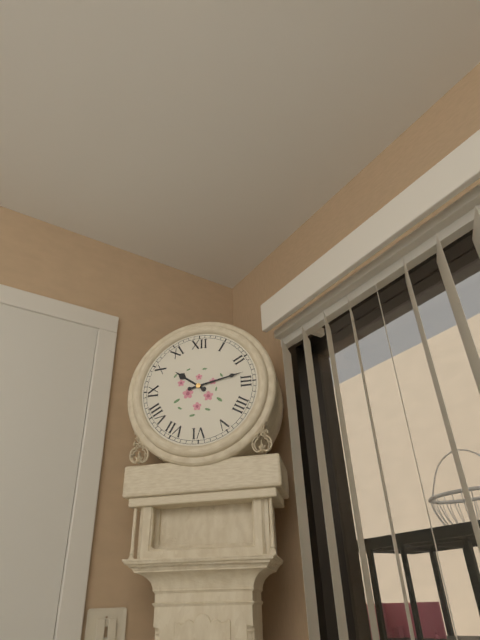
10:13
